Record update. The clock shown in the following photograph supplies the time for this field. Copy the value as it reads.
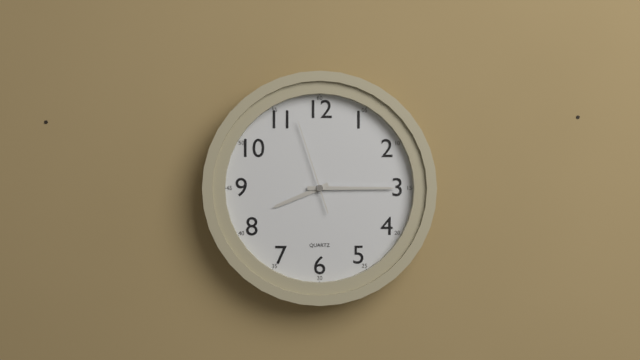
8:15:57
